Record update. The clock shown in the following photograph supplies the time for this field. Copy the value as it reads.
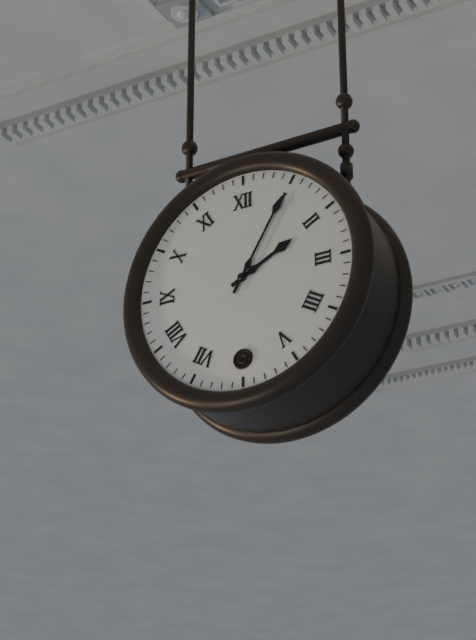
2:05
